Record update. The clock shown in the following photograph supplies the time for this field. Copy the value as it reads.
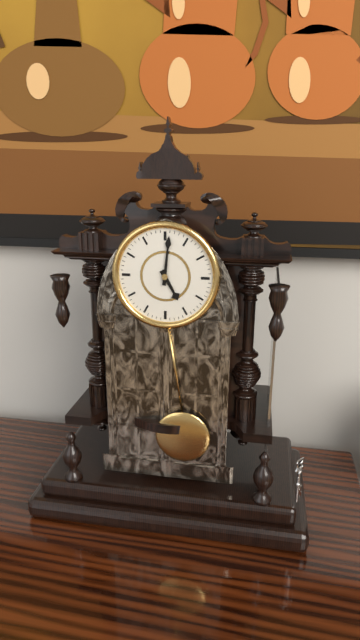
5:01
